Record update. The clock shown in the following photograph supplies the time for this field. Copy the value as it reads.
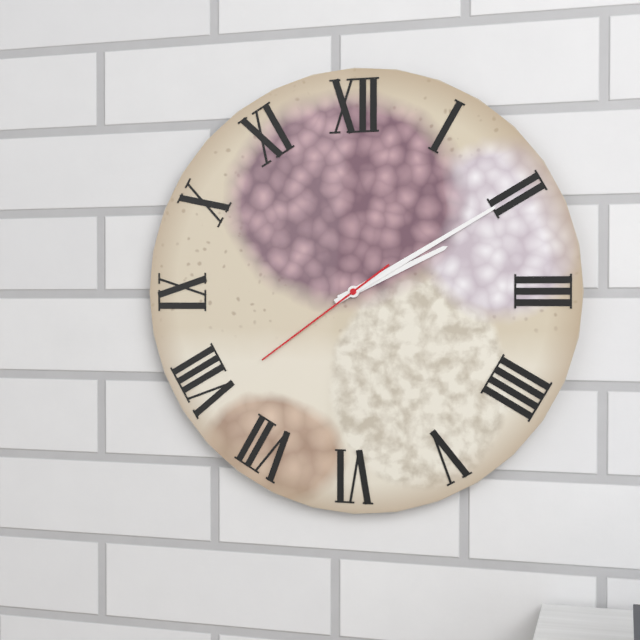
2:10:39
